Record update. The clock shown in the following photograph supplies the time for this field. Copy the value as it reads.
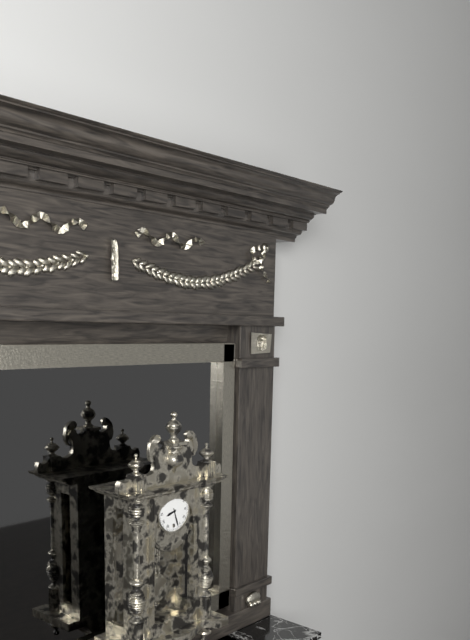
8:27
